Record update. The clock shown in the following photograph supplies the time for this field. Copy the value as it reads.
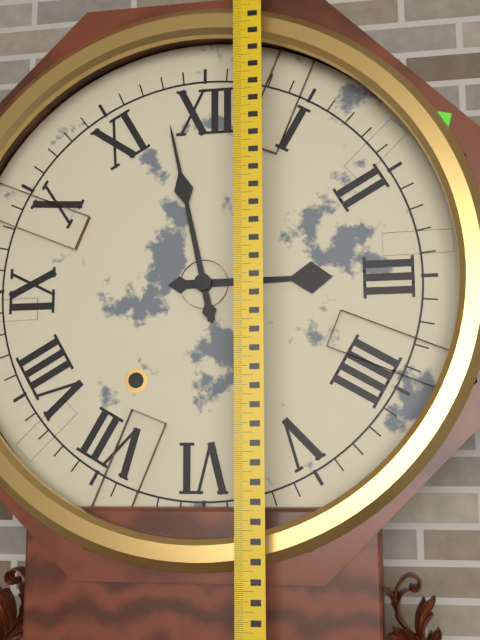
2:58
